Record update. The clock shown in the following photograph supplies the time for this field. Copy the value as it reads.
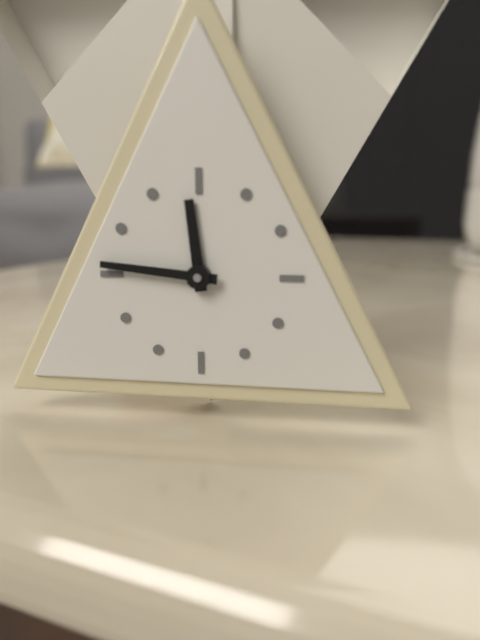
11:46
